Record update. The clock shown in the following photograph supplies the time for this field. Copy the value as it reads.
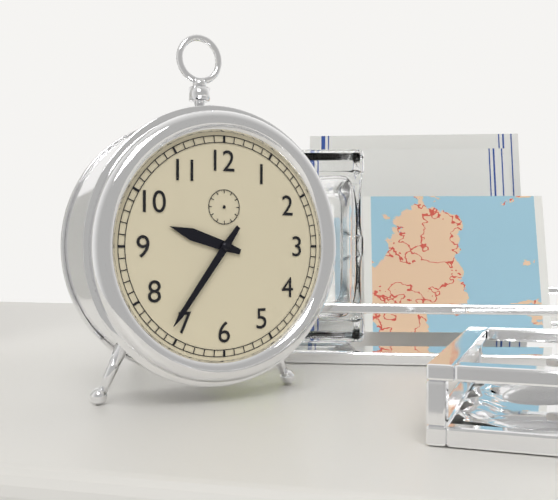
9:36
